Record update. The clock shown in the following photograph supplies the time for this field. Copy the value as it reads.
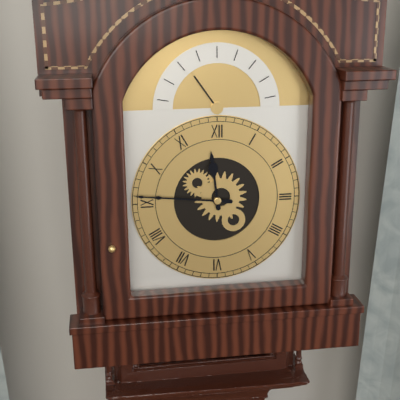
11:46
